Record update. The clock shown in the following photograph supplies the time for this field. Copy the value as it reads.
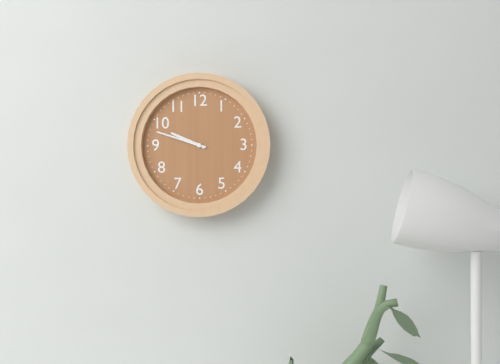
9:48
